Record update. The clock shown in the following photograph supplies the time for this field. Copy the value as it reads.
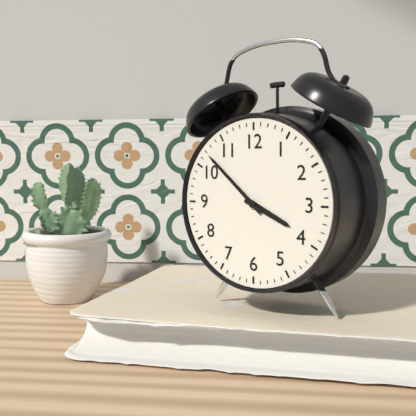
3:52
